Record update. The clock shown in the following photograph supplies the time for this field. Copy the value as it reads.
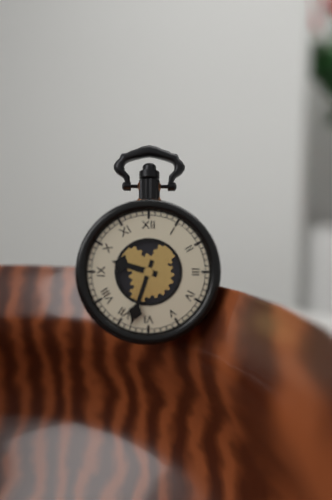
9:33
